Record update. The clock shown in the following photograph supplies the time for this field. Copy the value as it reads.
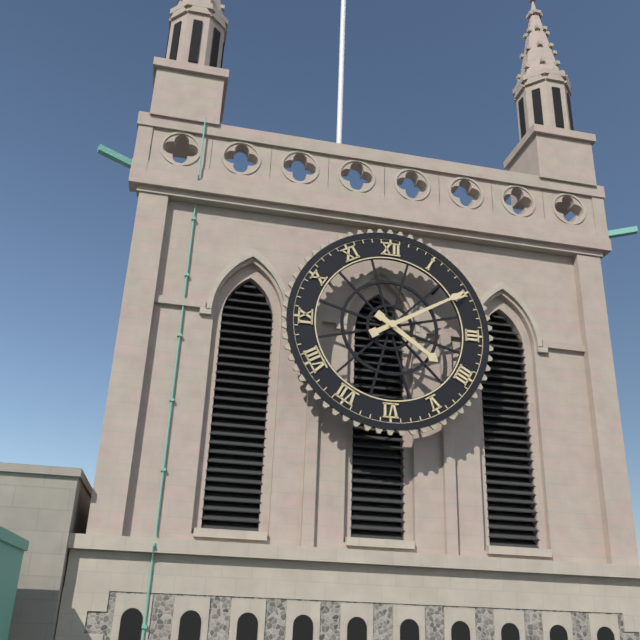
4:10
